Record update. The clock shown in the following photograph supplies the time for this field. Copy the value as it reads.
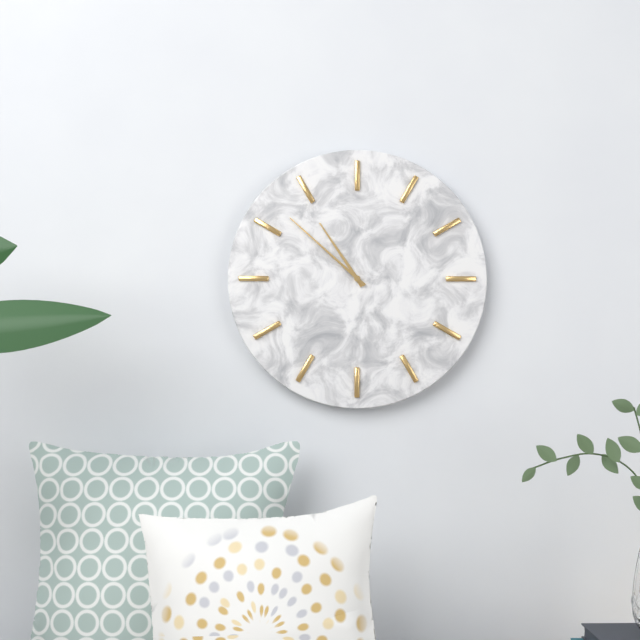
10:52
